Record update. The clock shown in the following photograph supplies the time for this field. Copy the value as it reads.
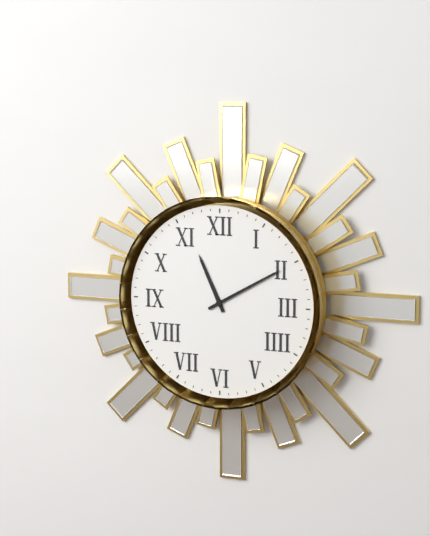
11:10
